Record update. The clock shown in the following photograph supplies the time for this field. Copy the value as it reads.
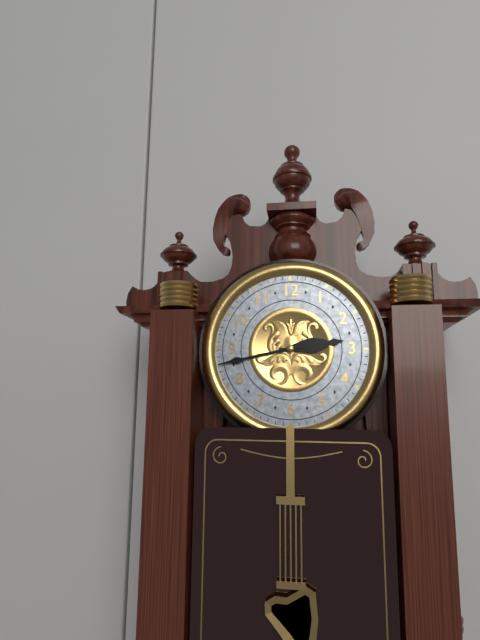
2:43
